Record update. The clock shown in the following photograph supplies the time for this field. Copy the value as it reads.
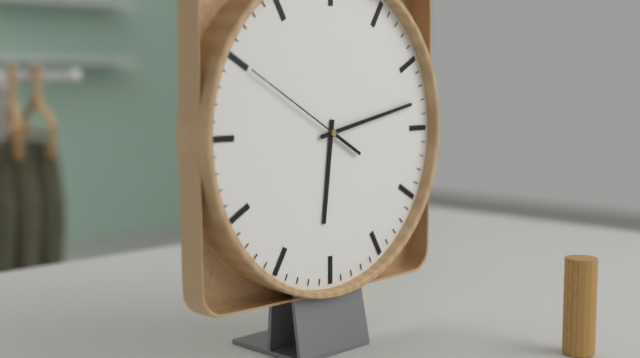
6:13:50
